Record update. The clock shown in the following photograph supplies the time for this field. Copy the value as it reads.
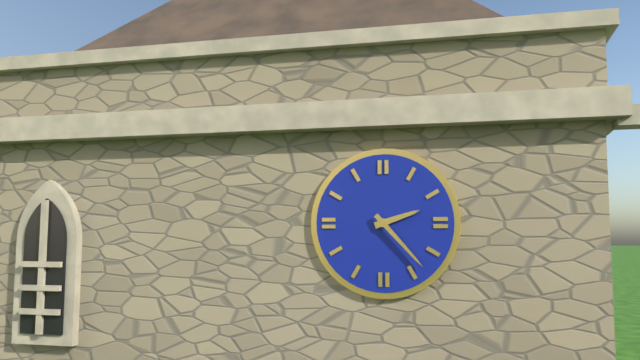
2:23
